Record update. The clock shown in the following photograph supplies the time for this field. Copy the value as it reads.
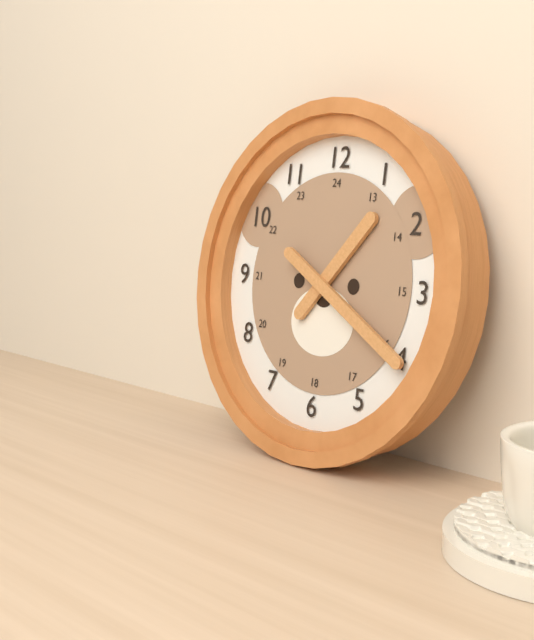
1:20
